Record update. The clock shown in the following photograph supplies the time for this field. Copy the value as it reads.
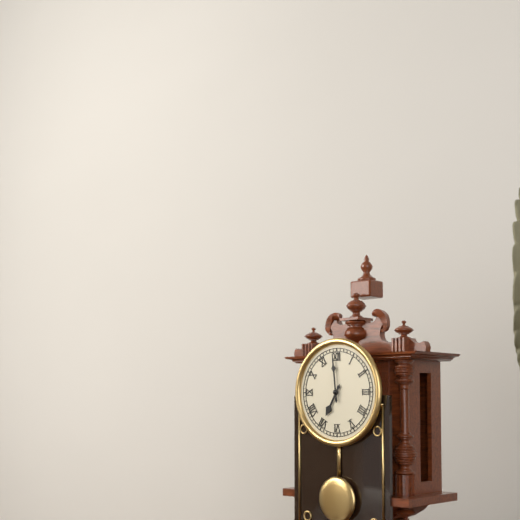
6:59
